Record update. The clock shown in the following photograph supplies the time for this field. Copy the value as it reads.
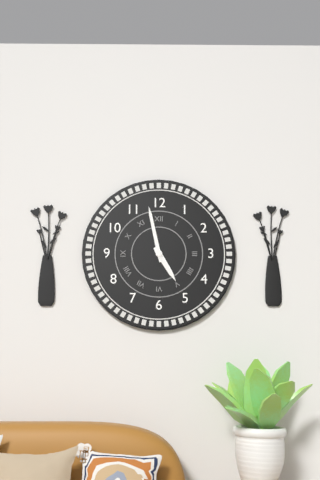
4:58
